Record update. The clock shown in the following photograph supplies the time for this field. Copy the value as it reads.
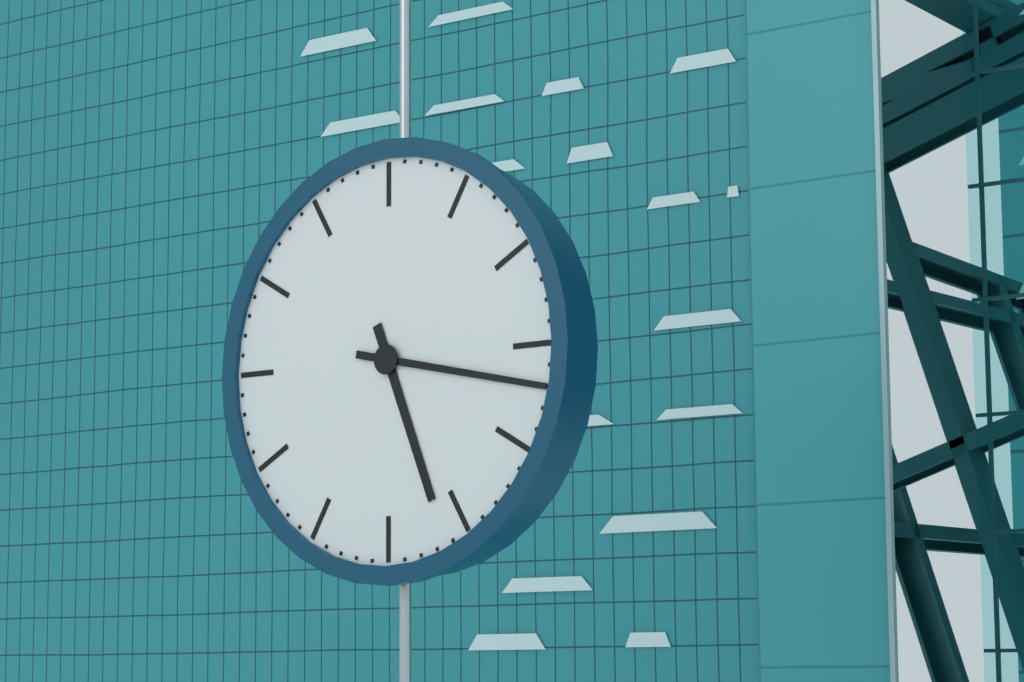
5:17
